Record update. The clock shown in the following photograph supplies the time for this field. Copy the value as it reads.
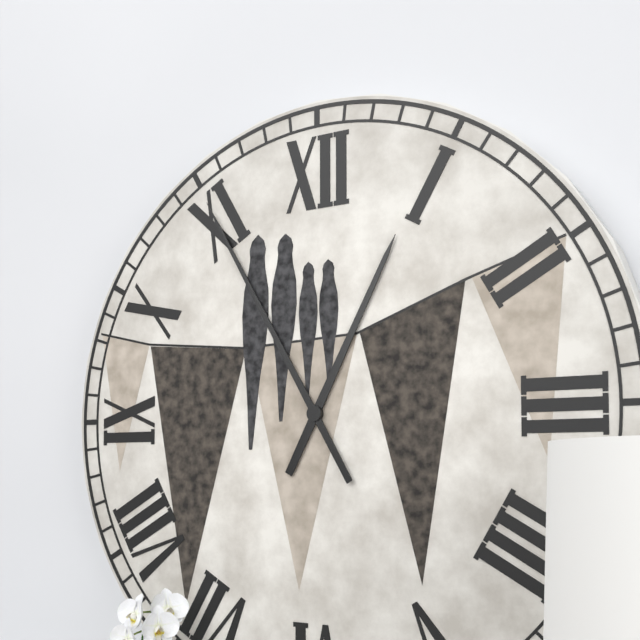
12:55
